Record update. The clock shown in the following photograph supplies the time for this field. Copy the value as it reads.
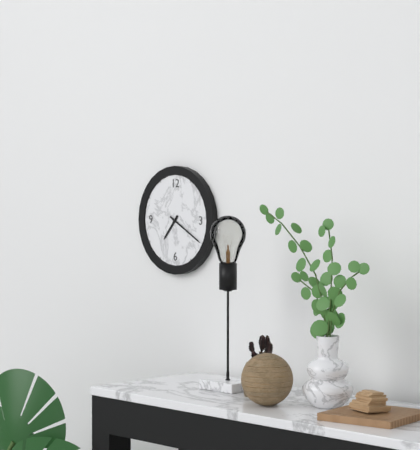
7:20
